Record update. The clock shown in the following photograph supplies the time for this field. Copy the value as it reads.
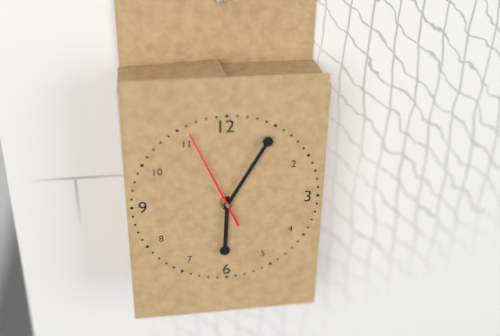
6:05:56
